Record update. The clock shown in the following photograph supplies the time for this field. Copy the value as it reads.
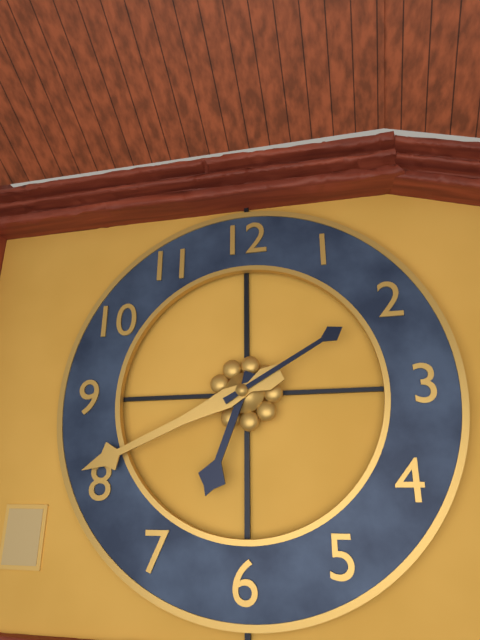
6:41:10
